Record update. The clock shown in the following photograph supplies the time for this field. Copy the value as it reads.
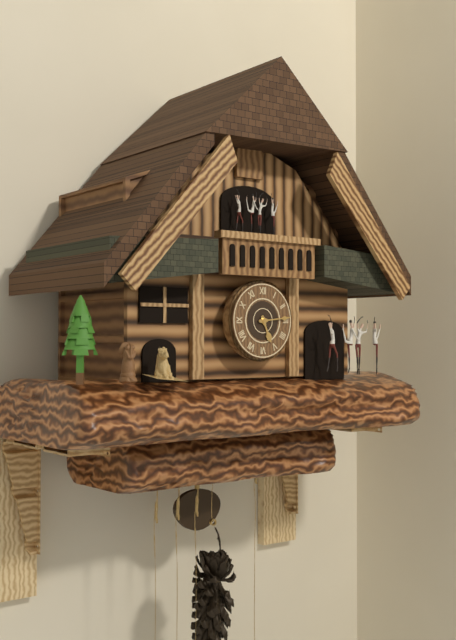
5:14
